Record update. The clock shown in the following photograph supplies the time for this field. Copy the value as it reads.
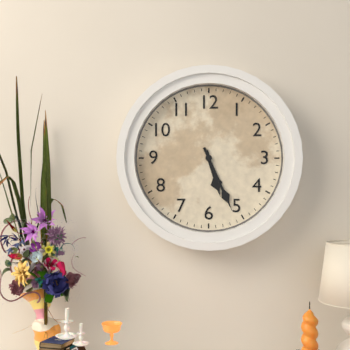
5:26
